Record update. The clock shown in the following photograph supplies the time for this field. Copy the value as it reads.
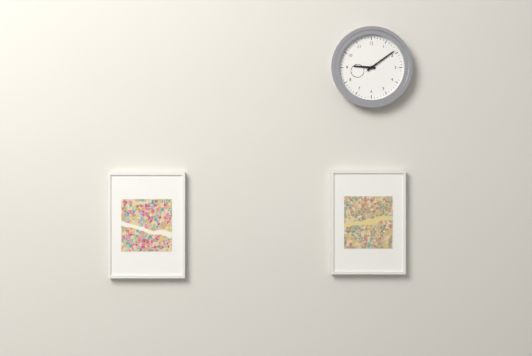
9:09
